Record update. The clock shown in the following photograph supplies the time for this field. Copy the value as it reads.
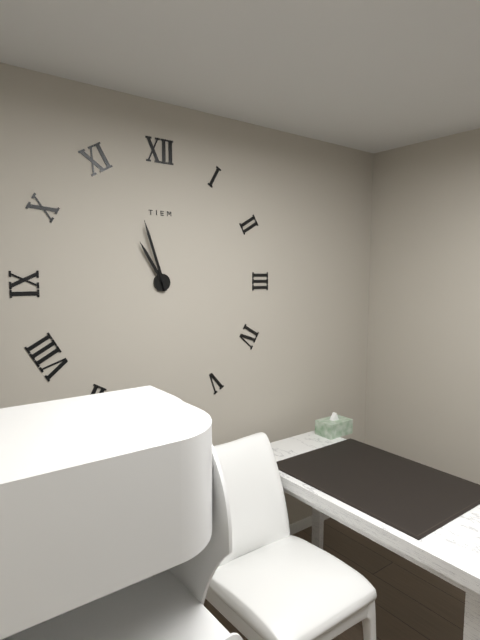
10:57
